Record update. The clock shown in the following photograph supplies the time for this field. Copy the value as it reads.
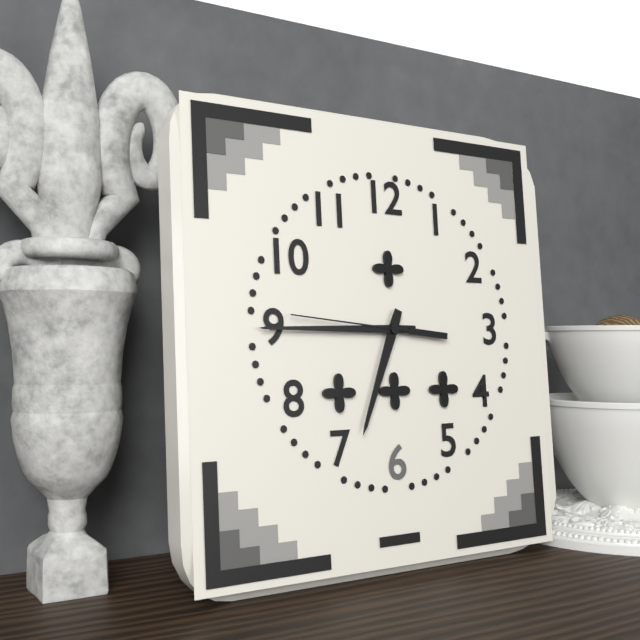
6:45:46
